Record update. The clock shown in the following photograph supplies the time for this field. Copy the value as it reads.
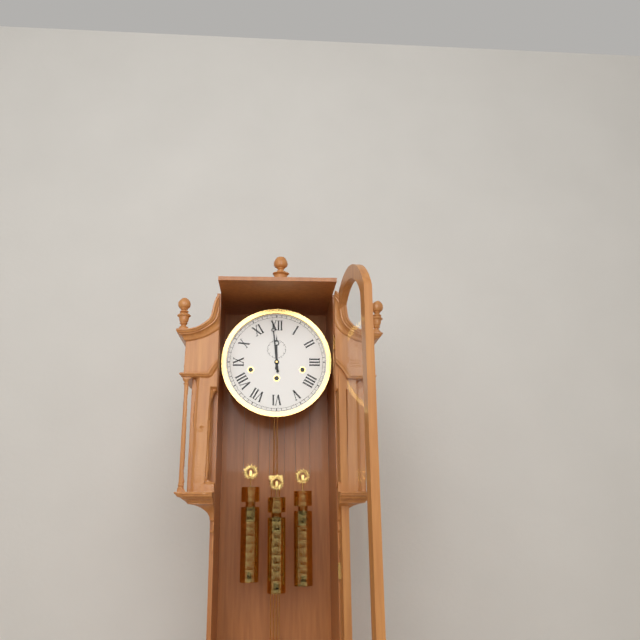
11:59
